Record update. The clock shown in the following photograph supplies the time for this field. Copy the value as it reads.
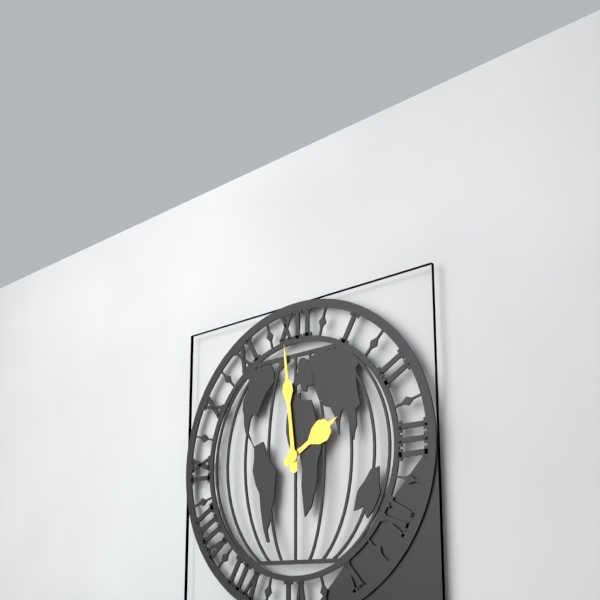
1:59
